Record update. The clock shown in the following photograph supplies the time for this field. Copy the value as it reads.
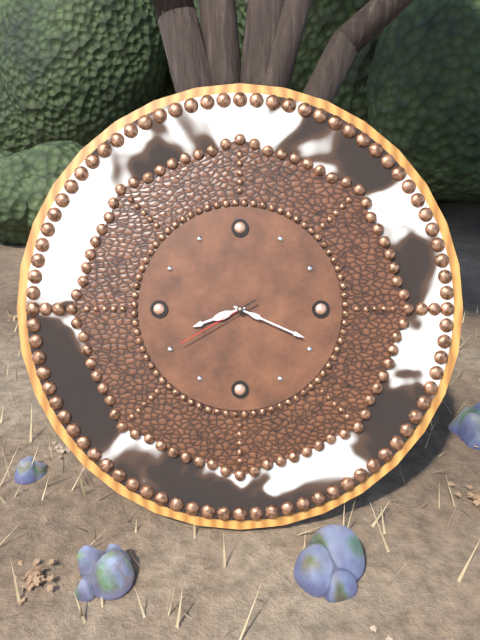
8:19:40
